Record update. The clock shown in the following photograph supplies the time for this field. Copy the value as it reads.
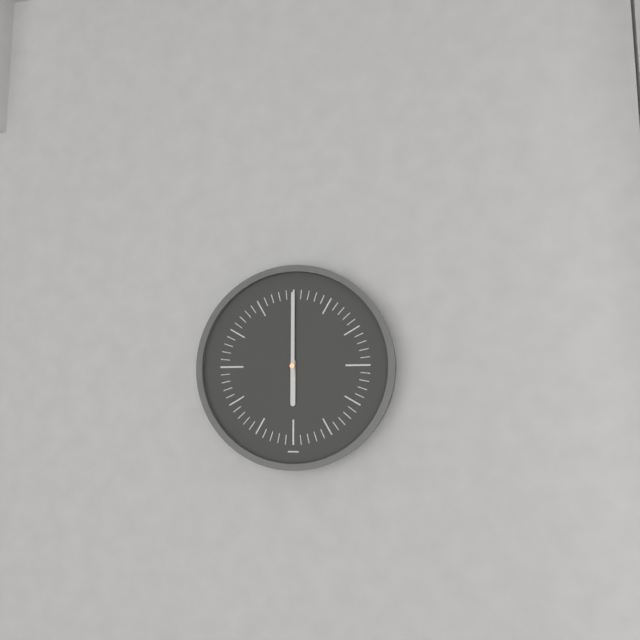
6:00
